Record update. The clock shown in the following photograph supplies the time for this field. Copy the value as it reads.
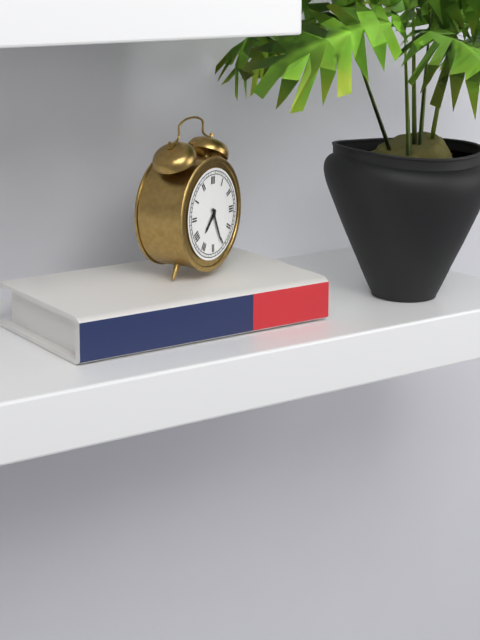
7:26
